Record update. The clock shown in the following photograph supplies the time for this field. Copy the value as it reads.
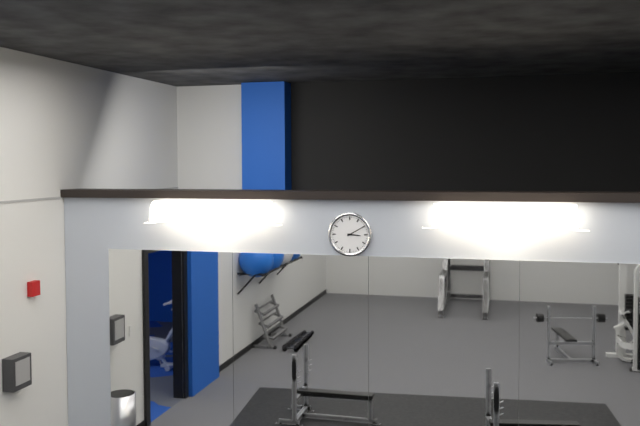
3:10
